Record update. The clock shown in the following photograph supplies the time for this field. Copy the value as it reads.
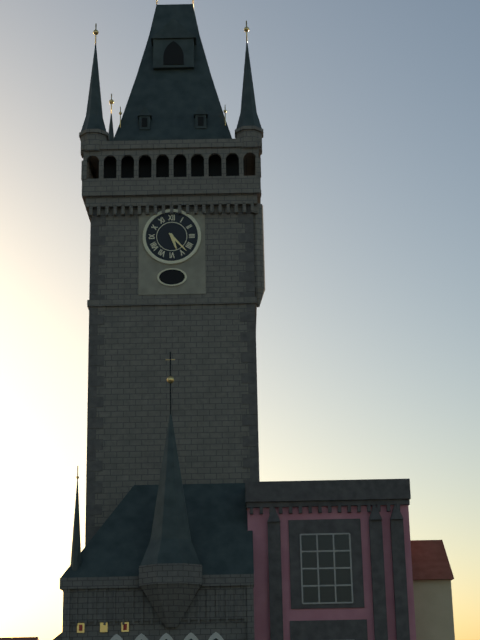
5:23
